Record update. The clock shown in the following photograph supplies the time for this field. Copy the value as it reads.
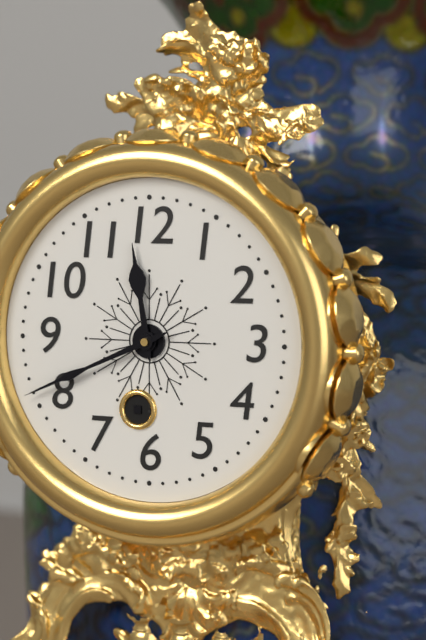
11:41
